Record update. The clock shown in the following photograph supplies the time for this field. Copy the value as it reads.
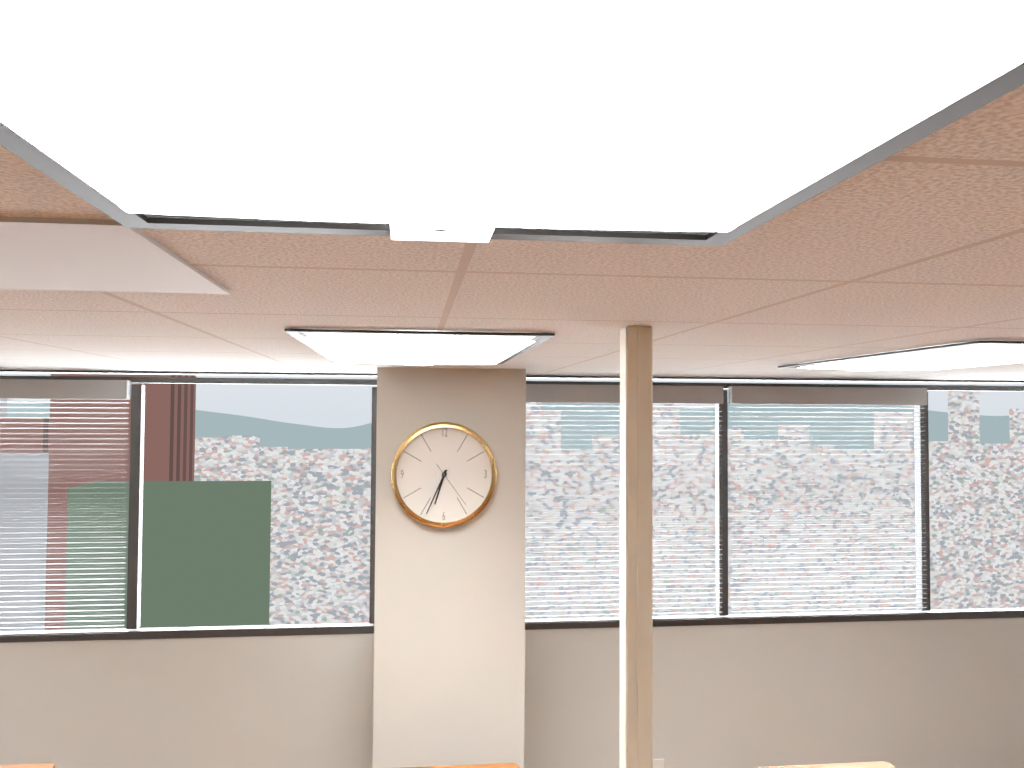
6:34
